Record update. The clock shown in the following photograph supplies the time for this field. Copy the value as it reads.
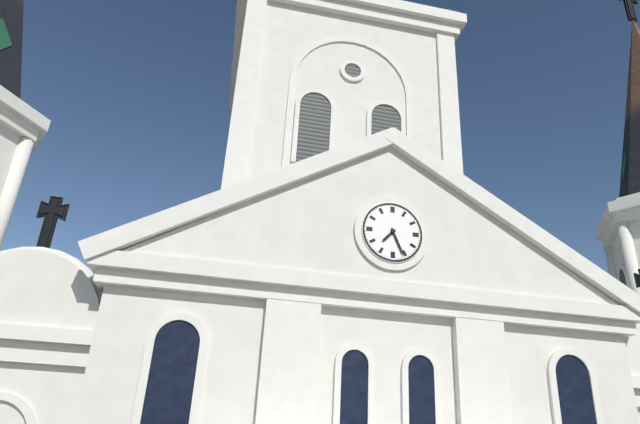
7:26
